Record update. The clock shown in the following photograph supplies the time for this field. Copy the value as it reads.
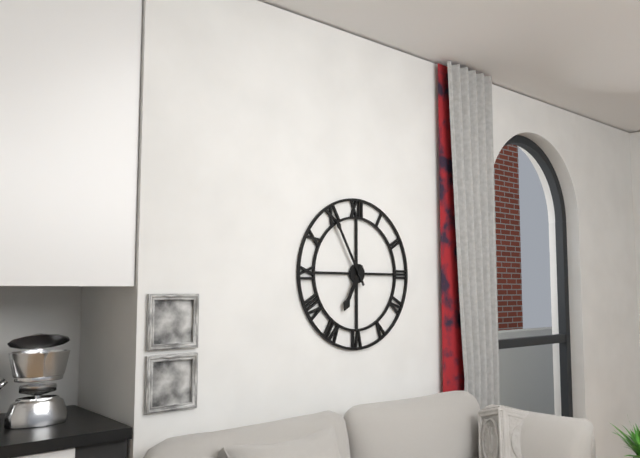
6:55
